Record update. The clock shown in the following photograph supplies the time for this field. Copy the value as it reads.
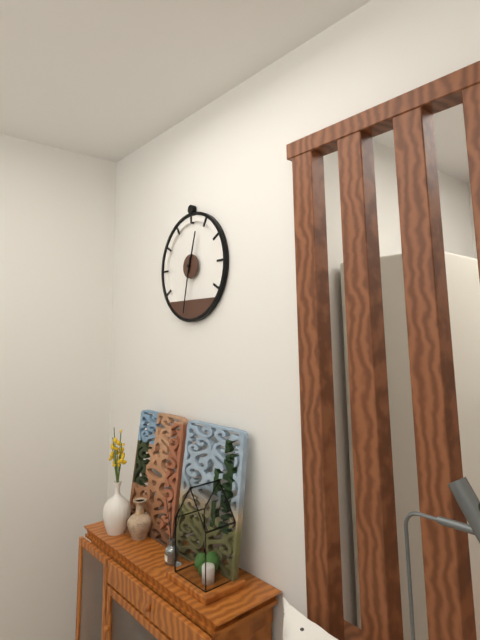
12:32
